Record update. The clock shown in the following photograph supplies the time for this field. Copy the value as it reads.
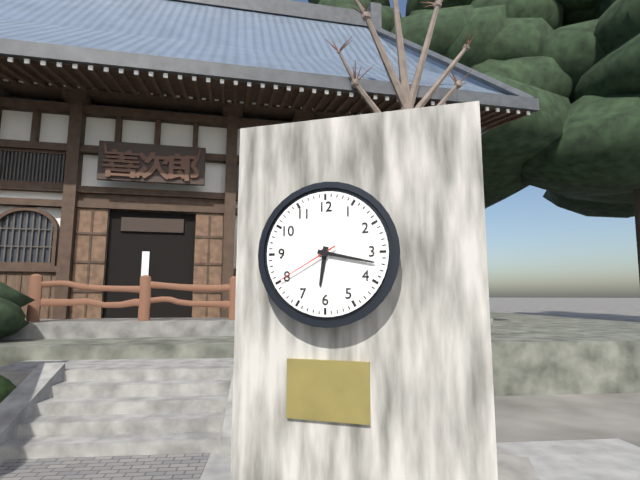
6:17:40
